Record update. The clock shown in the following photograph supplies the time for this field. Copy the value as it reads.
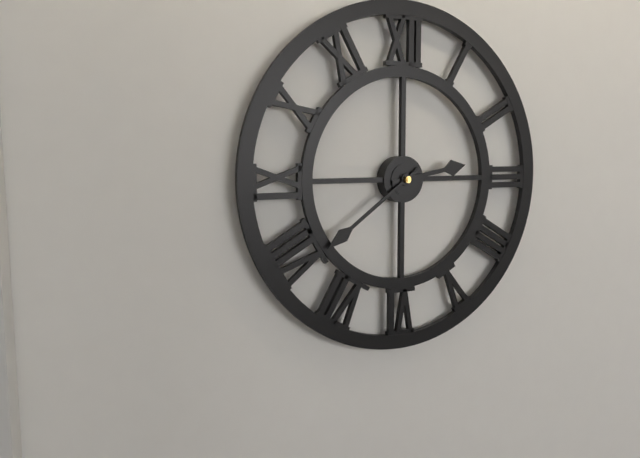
2:39
